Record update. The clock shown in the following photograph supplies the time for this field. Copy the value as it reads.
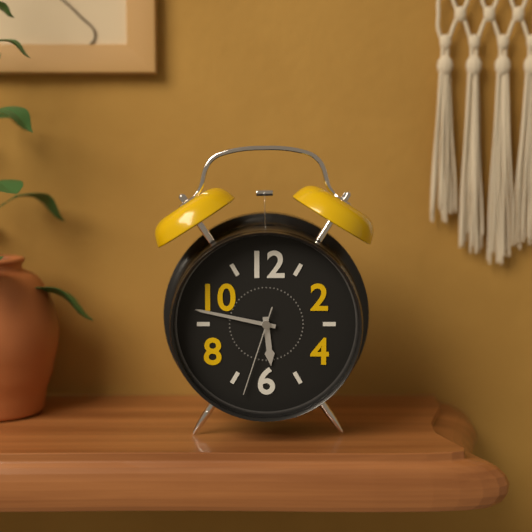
5:47:33
